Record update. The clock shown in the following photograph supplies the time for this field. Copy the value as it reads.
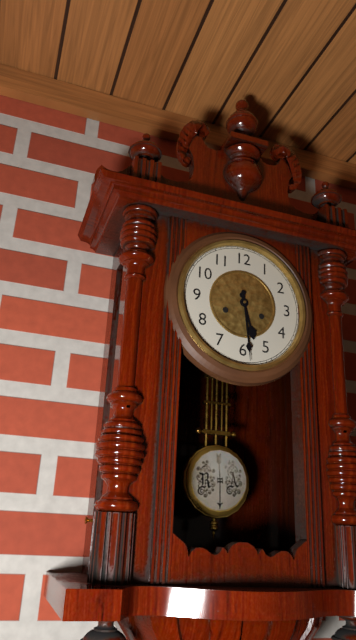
5:29
